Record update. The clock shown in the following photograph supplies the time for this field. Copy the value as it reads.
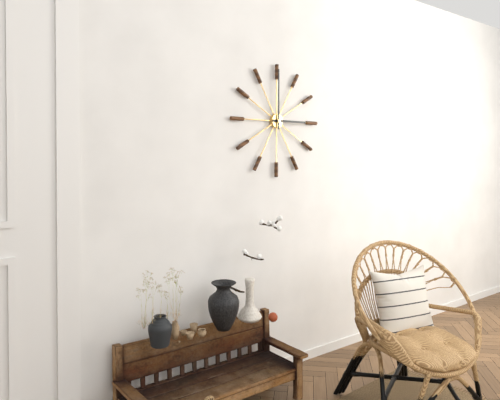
3:00
